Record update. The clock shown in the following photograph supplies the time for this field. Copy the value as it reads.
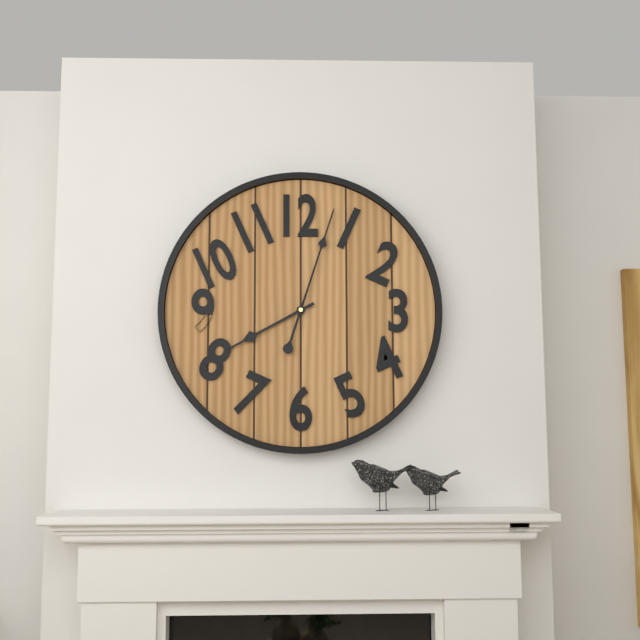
8:03
